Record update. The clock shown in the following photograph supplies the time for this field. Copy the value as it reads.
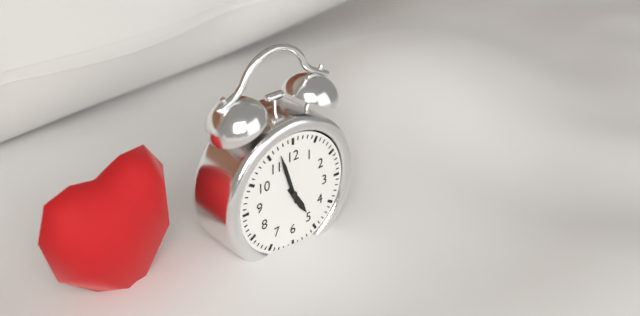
4:57
